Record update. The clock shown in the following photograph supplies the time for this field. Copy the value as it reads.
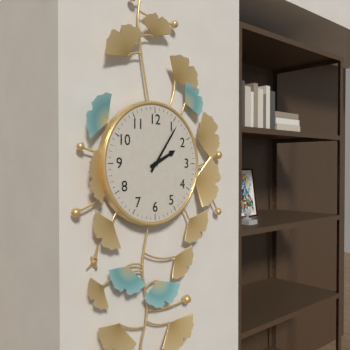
2:06
